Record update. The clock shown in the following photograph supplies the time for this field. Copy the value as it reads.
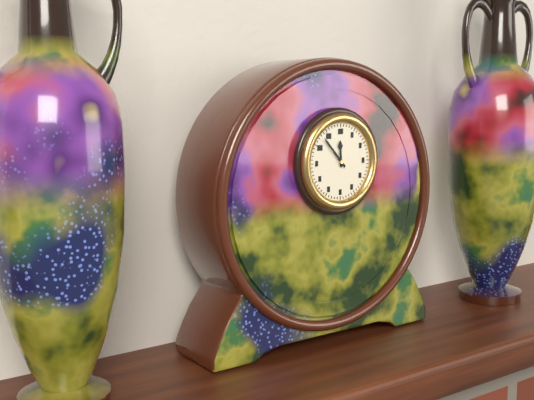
11:53
